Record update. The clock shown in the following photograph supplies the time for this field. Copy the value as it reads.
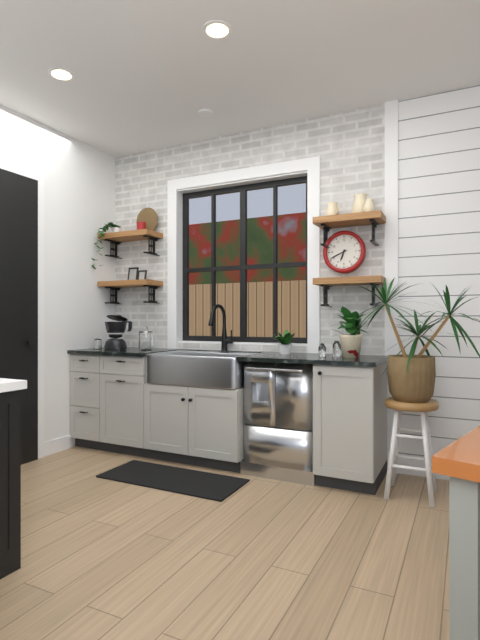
6:41
